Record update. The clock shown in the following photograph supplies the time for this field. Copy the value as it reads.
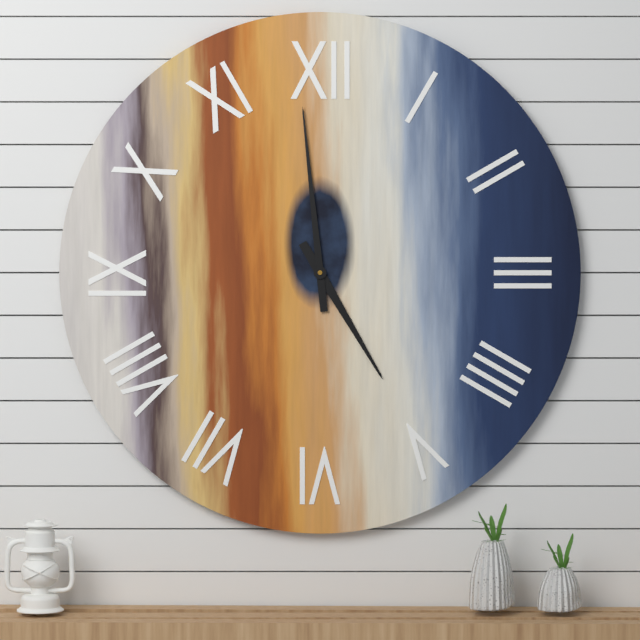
4:59
